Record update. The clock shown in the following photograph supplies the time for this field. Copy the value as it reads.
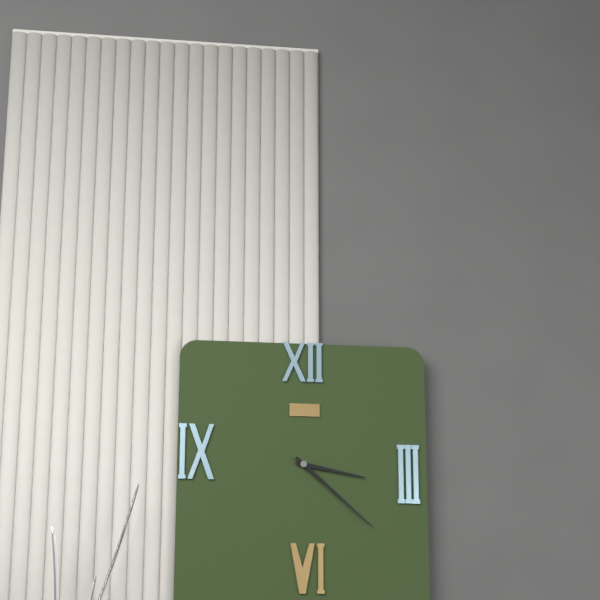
3:22
